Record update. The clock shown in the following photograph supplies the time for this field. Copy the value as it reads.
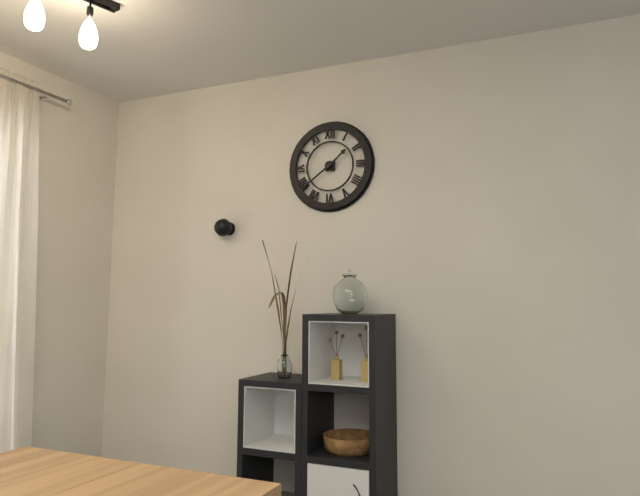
1:39
